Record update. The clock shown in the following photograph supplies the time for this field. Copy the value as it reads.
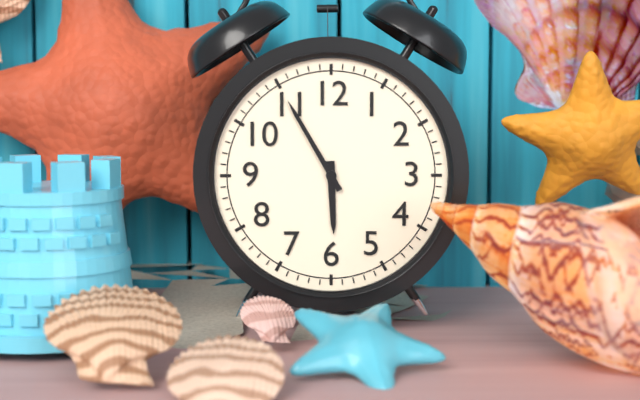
5:55
